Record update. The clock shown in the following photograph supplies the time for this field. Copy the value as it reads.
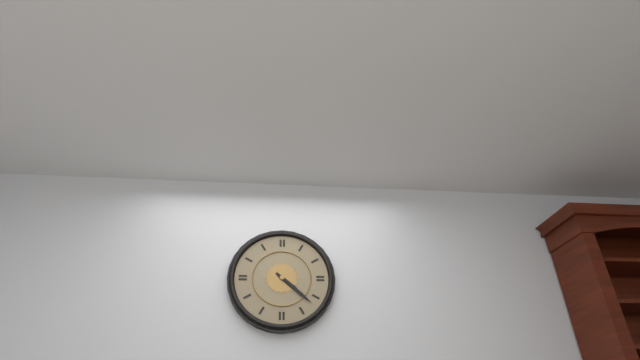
4:22
